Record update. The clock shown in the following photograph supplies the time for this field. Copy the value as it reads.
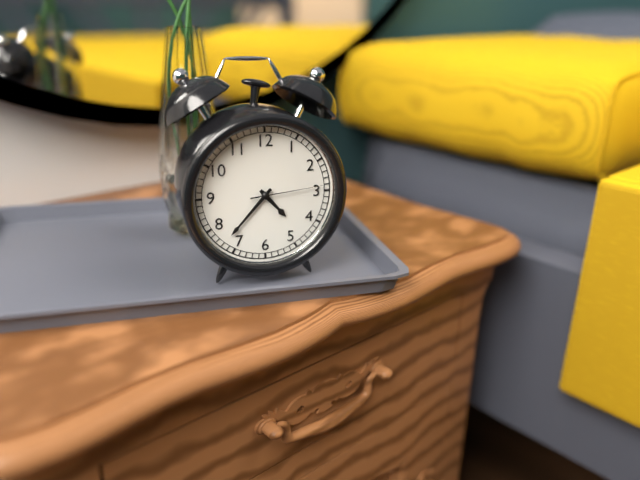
4:37:14
